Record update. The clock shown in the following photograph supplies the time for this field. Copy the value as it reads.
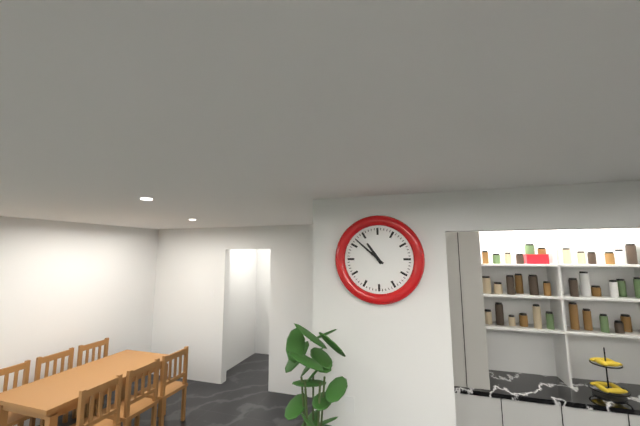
10:52
